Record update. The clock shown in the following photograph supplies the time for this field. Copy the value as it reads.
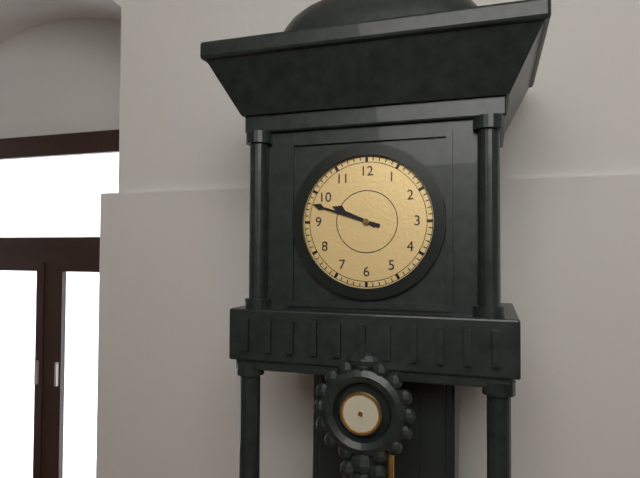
9:48
